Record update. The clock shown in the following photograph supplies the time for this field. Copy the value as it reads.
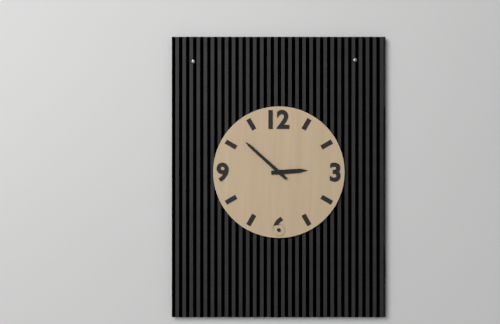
2:52
